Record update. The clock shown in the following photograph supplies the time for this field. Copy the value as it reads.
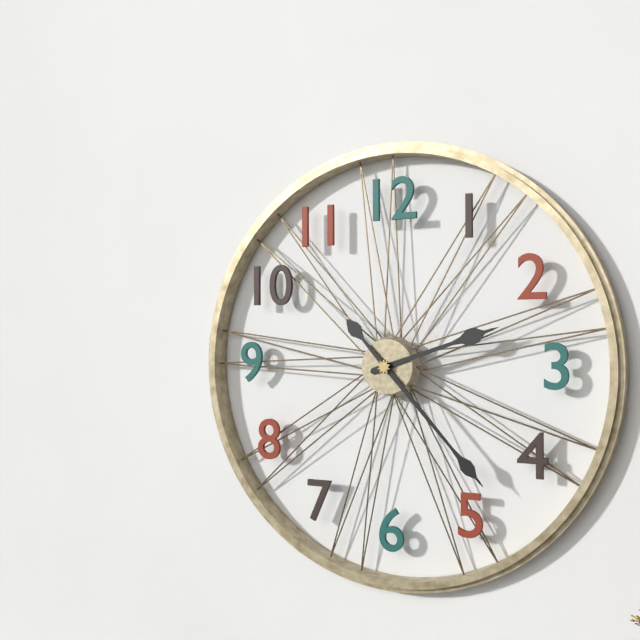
2:23
